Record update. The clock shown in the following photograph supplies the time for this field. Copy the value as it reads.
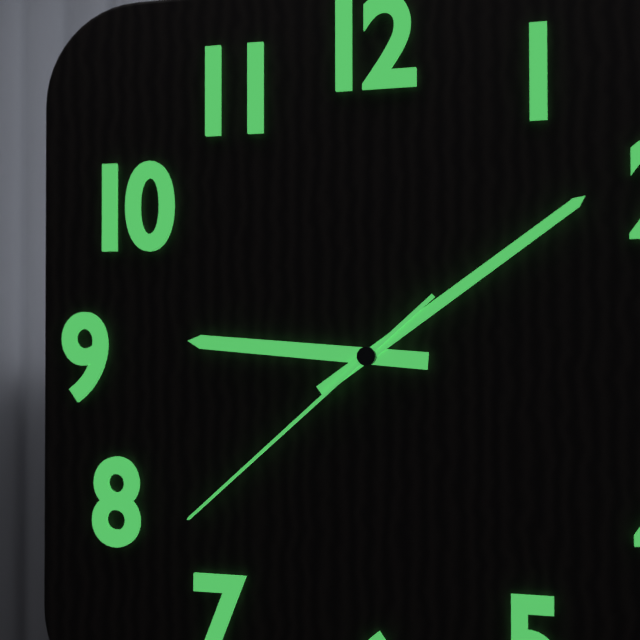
9:09:38
